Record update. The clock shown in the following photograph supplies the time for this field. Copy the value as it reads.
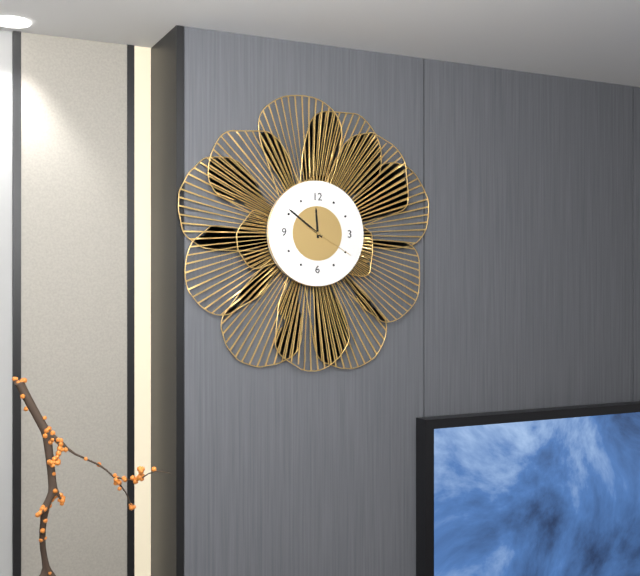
11:51
